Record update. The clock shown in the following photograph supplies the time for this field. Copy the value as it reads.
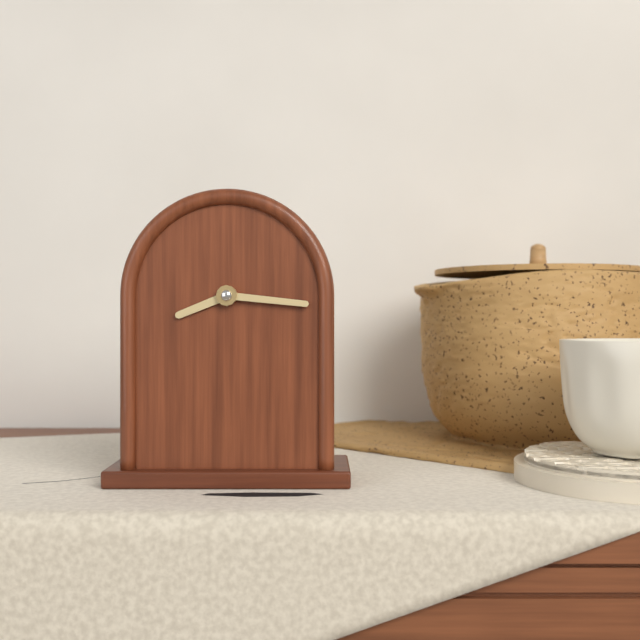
8:16
